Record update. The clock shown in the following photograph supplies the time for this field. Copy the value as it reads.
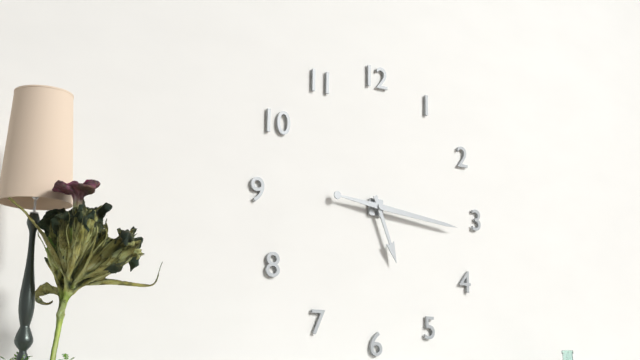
5:16
